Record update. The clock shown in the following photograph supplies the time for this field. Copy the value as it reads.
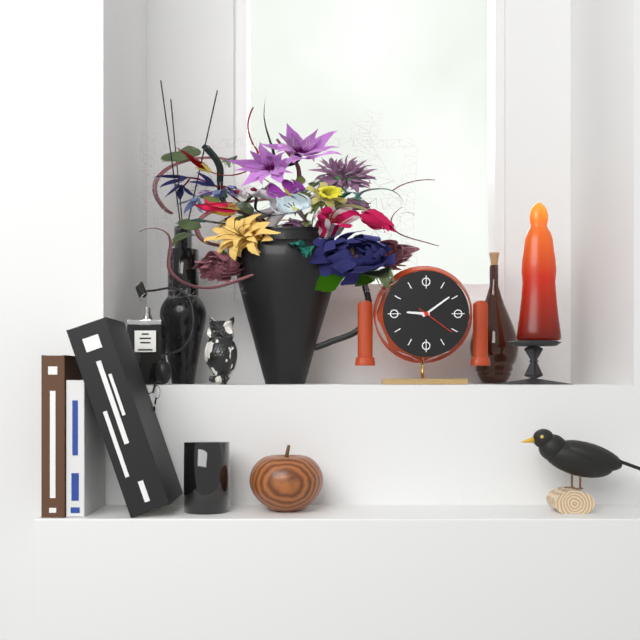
9:09
